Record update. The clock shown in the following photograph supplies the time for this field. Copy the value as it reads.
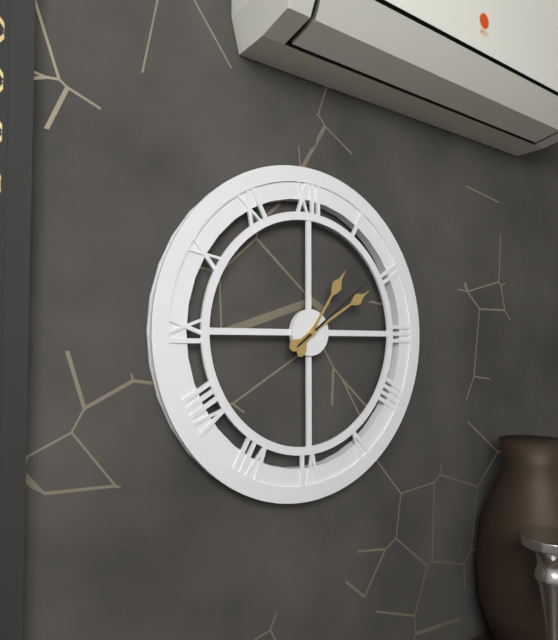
1:10:09
